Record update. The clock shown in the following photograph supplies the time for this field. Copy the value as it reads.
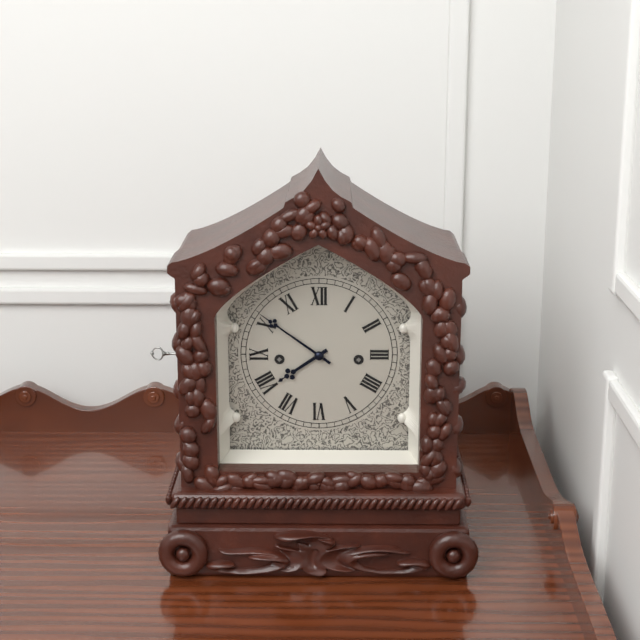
7:51
